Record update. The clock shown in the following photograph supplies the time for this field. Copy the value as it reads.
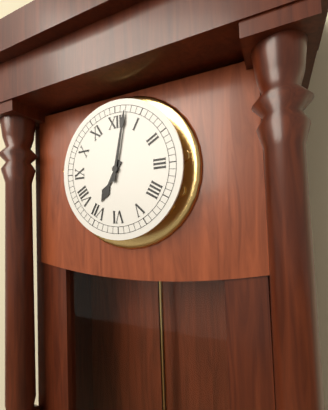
7:02
